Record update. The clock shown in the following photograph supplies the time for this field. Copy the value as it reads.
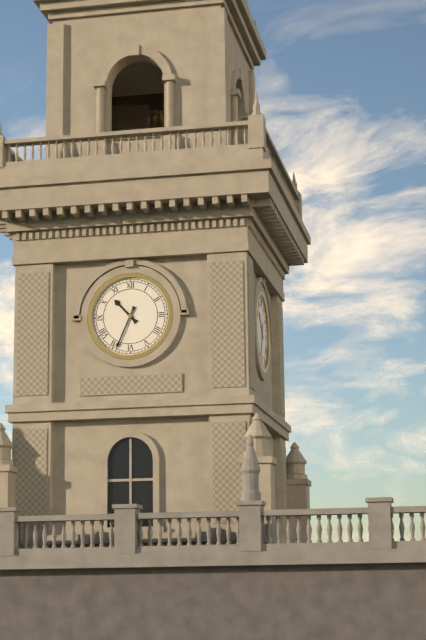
10:34
